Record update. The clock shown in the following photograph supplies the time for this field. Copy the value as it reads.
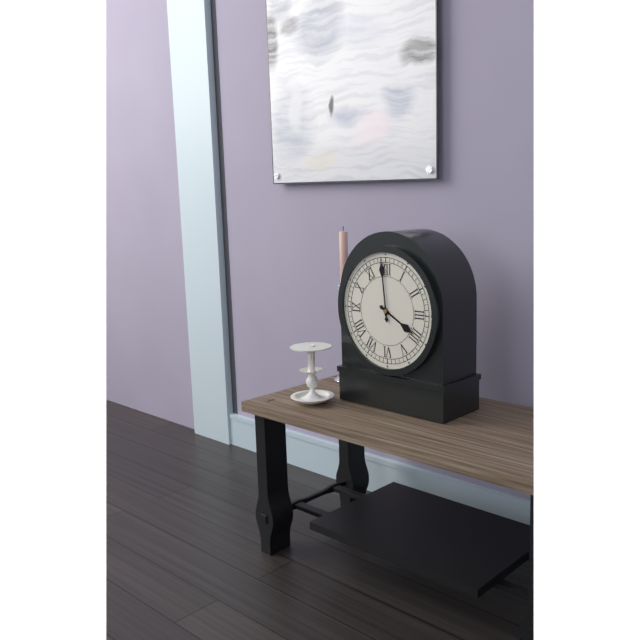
3:59
